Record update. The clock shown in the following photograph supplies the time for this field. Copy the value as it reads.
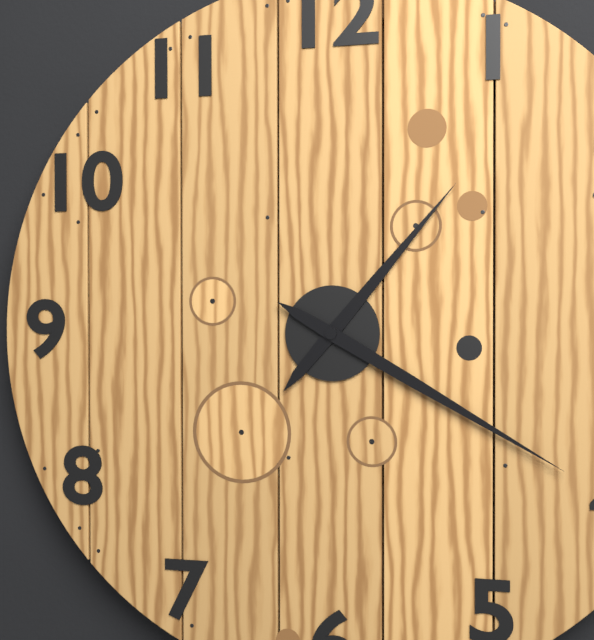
1:20
